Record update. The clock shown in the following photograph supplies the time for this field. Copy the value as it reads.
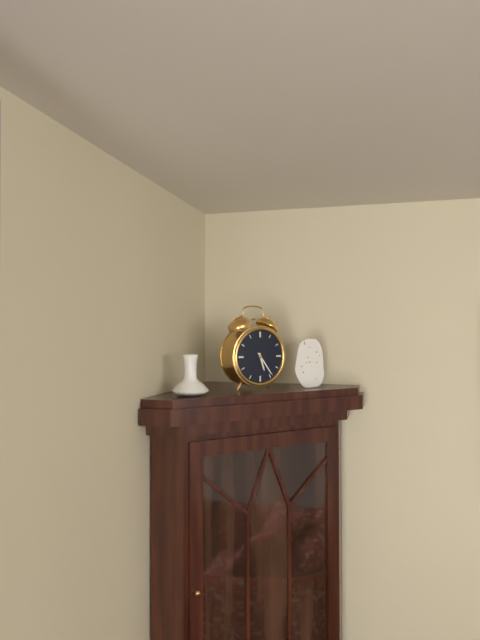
5:24
